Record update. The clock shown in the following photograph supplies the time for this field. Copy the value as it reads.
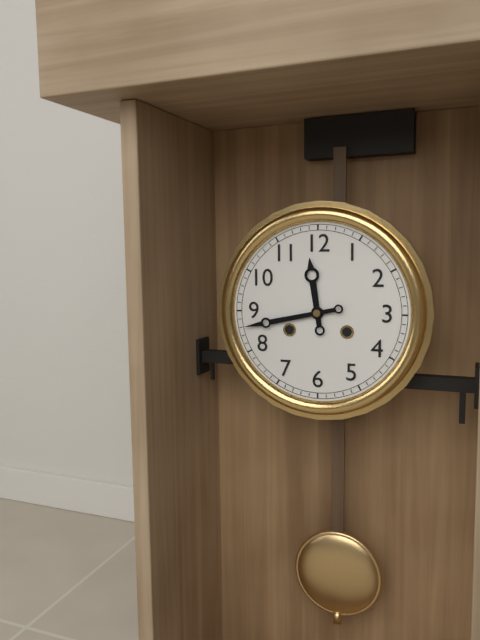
11:43
